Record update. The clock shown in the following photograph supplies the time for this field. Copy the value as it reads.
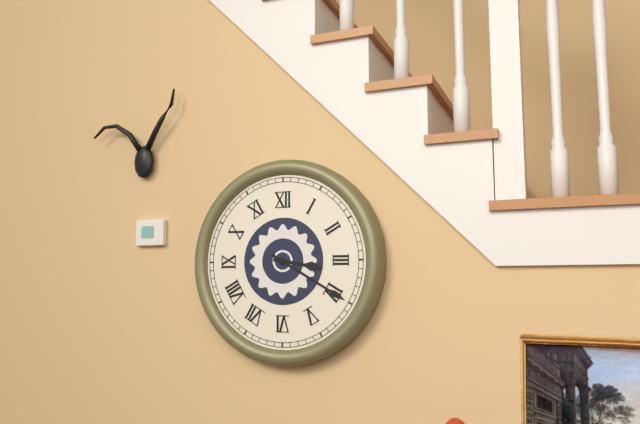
3:20
